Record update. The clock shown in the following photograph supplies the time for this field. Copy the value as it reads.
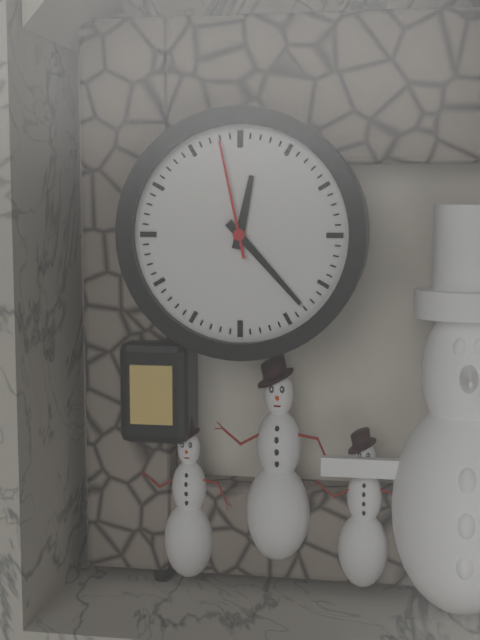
12:23:58
